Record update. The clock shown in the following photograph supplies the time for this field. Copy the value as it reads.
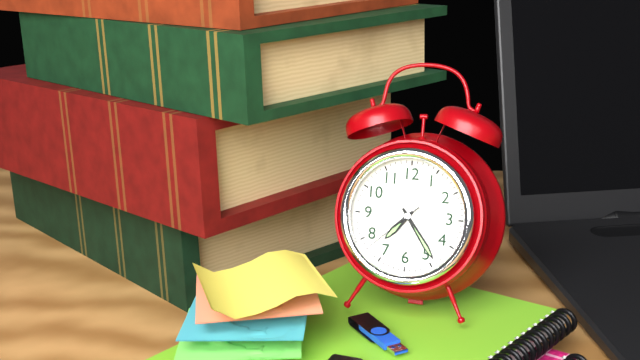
7:24:38
